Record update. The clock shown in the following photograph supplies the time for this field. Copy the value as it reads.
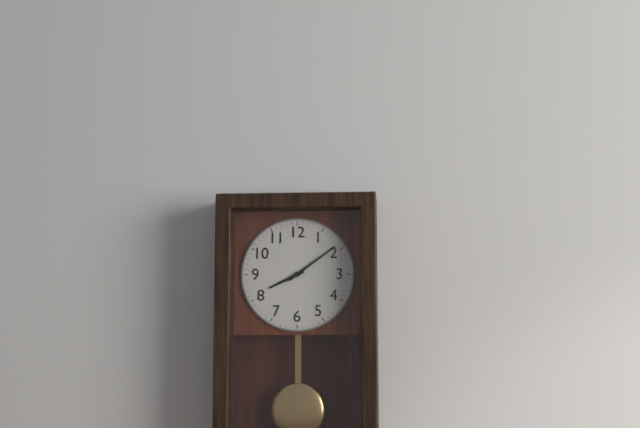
8:09
